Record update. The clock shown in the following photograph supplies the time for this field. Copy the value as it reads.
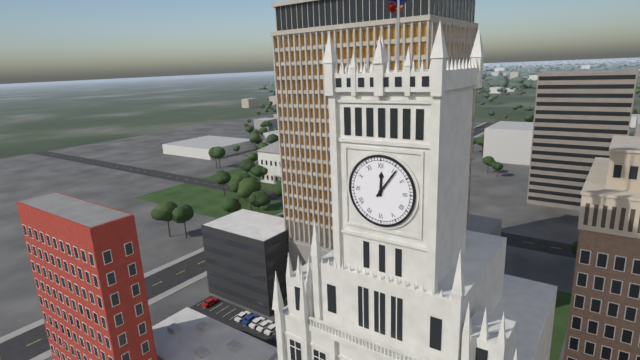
12:06
